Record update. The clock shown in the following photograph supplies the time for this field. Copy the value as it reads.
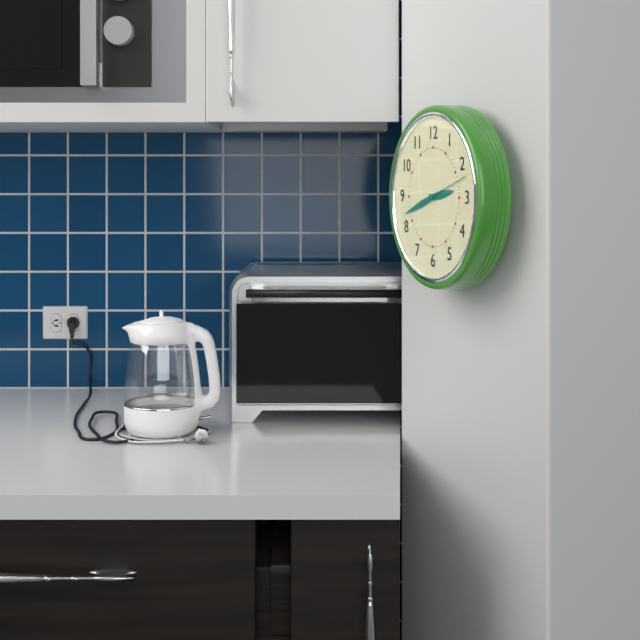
2:42:12
